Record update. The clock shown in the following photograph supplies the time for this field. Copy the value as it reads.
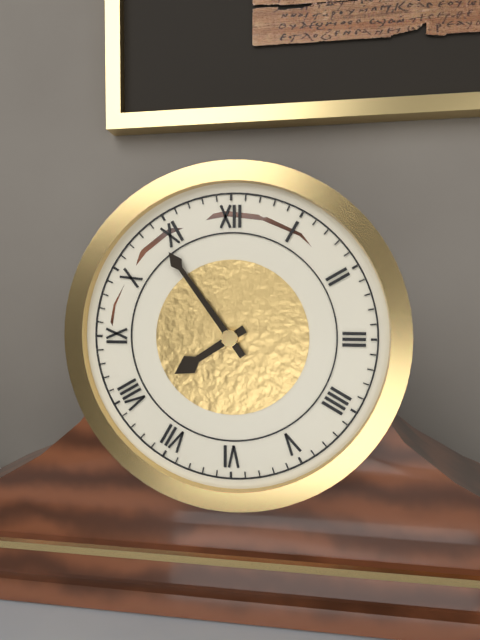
7:54
